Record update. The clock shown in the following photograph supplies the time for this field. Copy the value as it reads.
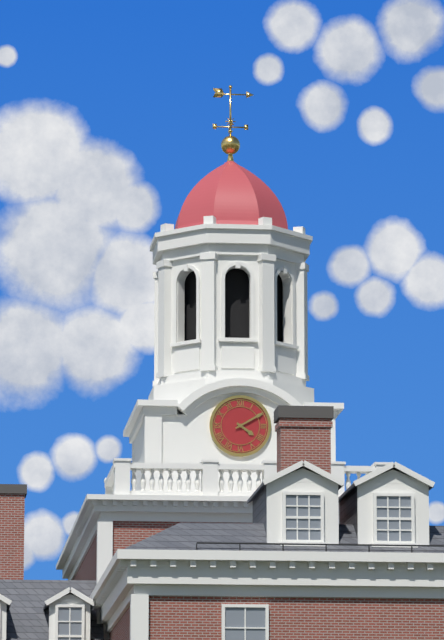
4:10
